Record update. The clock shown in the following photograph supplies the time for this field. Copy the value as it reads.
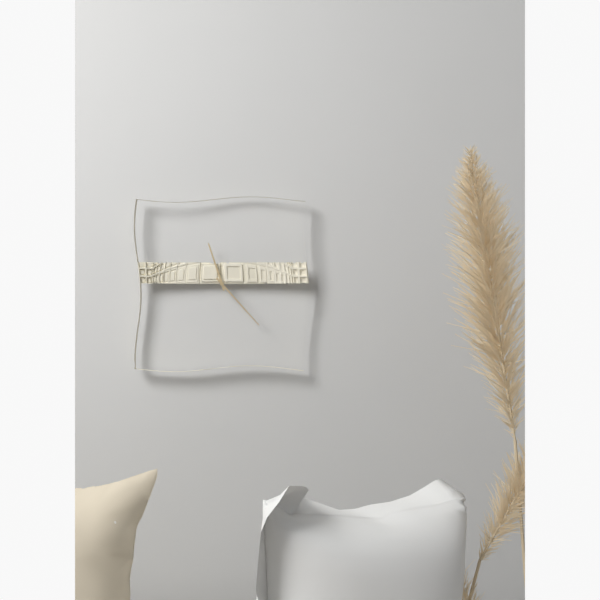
11:23
